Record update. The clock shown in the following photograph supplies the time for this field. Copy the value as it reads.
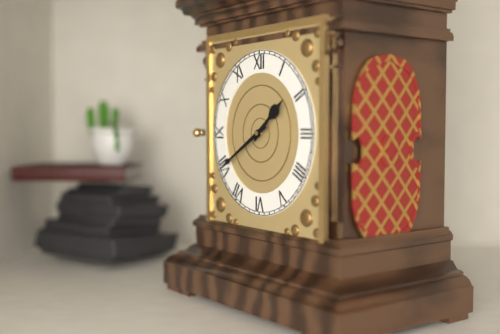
1:40
